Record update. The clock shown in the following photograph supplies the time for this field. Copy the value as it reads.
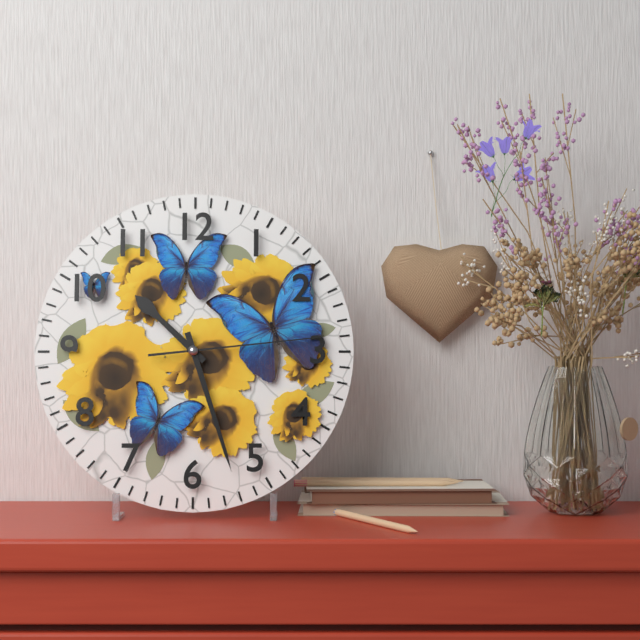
10:27:14
